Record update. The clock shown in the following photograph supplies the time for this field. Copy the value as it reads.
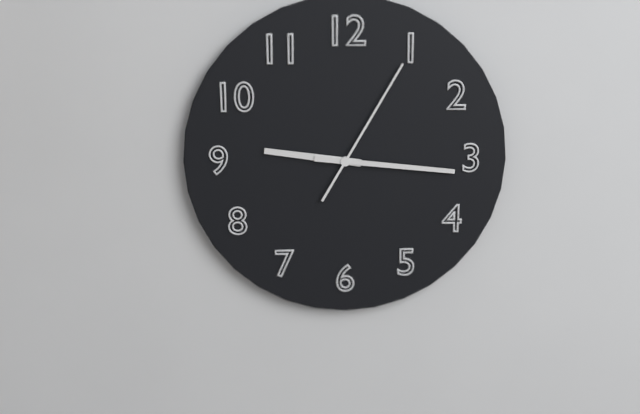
9:16:05
